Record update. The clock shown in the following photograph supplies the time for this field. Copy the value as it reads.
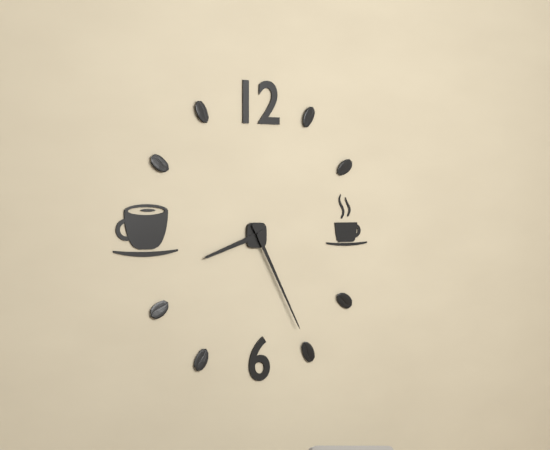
8:25
